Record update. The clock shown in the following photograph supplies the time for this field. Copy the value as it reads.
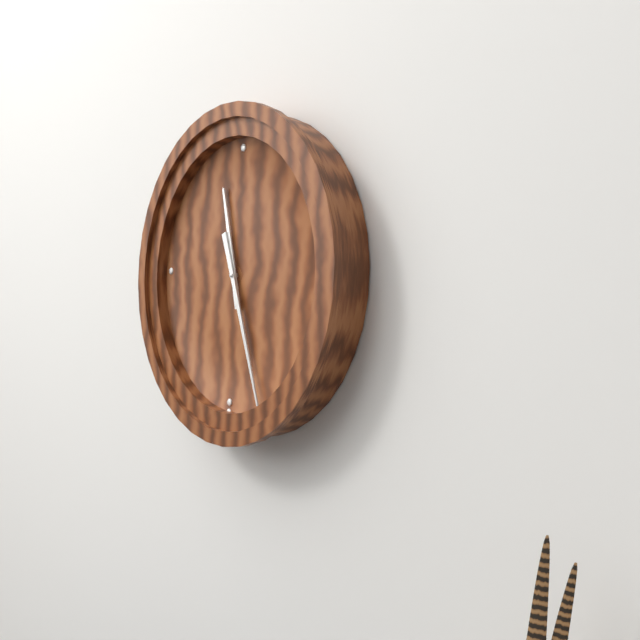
11:26
